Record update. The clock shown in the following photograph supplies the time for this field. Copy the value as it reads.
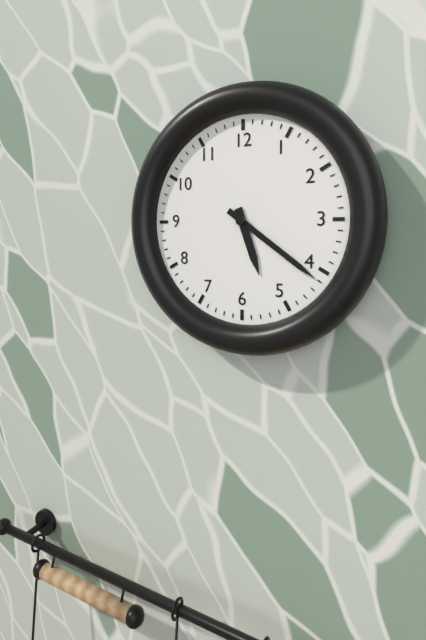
5:21
